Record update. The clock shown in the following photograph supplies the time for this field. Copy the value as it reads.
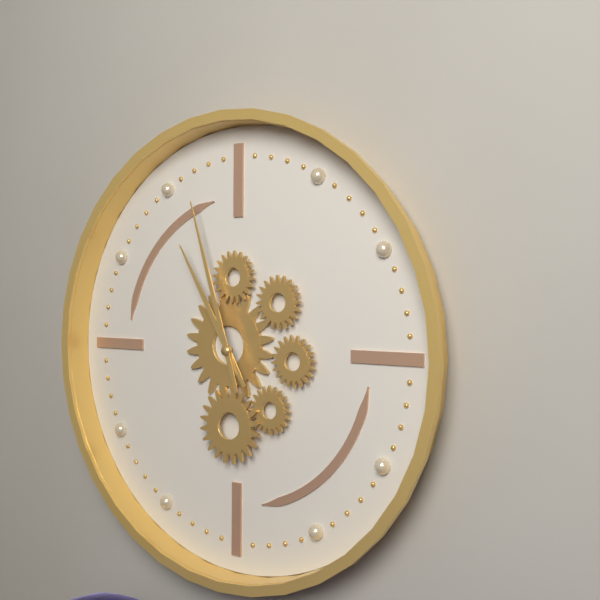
10:57
